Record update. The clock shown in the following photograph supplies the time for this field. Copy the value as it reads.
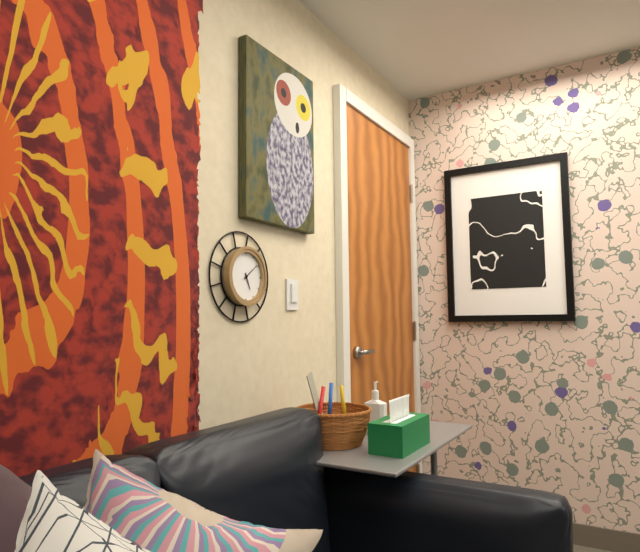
5:09
